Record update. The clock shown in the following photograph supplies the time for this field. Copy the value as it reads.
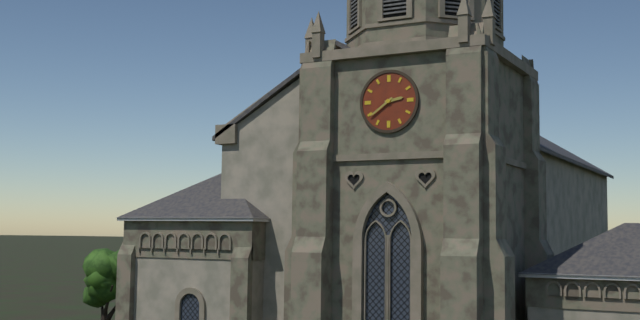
2:39
